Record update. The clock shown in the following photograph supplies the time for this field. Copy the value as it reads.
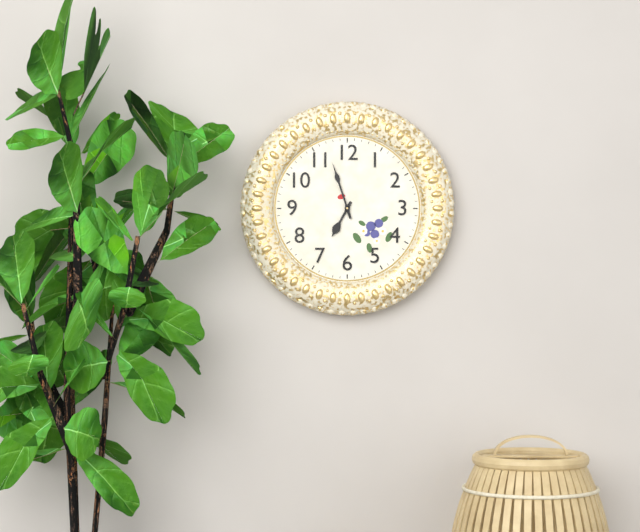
6:57
